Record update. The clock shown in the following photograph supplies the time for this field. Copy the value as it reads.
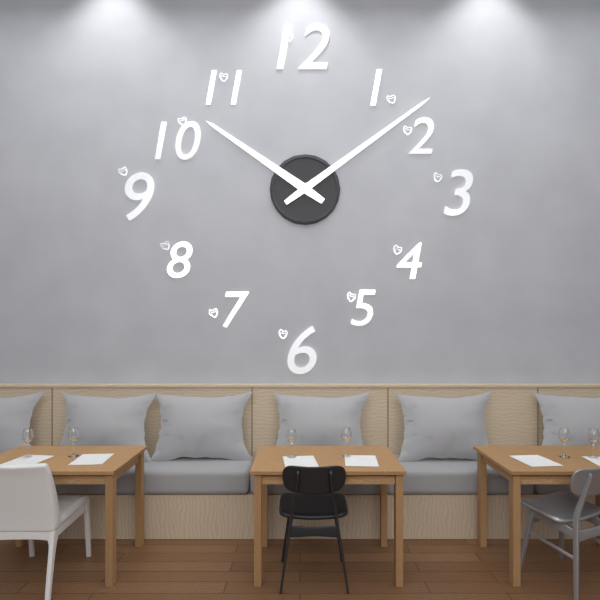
10:09
